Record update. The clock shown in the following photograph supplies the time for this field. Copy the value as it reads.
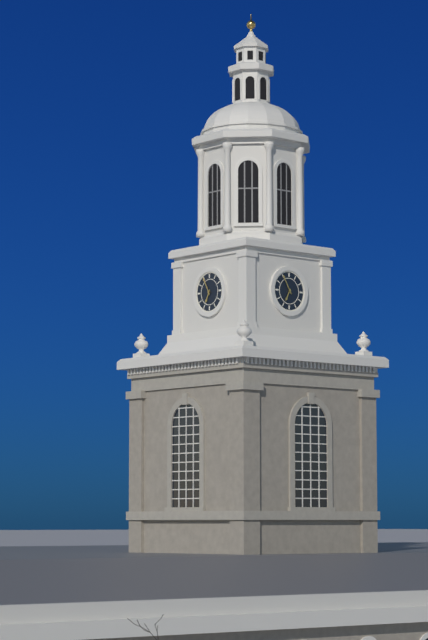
6:55
